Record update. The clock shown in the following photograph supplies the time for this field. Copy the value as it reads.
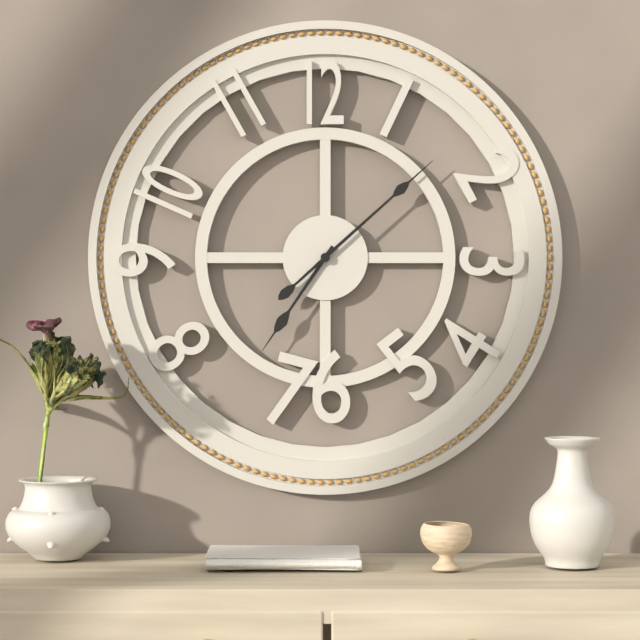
7:08
